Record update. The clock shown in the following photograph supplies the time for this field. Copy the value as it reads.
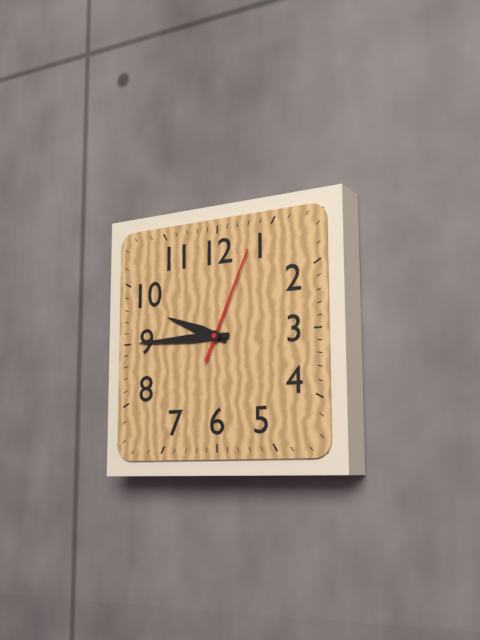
9:45:04
